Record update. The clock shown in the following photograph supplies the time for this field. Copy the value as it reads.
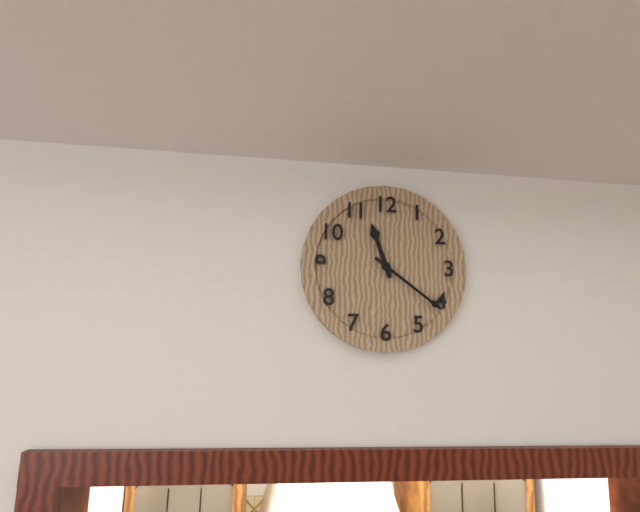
11:21
